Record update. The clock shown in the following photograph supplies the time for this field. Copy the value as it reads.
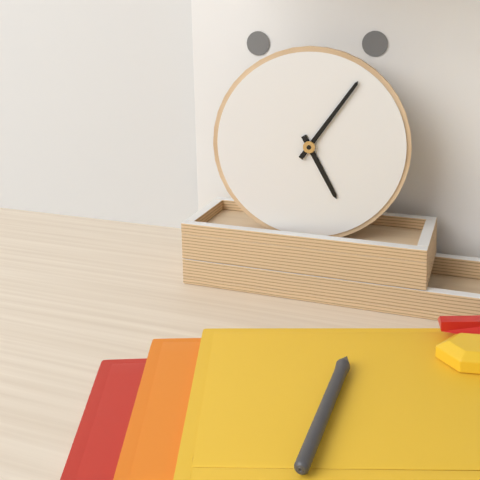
5:06
